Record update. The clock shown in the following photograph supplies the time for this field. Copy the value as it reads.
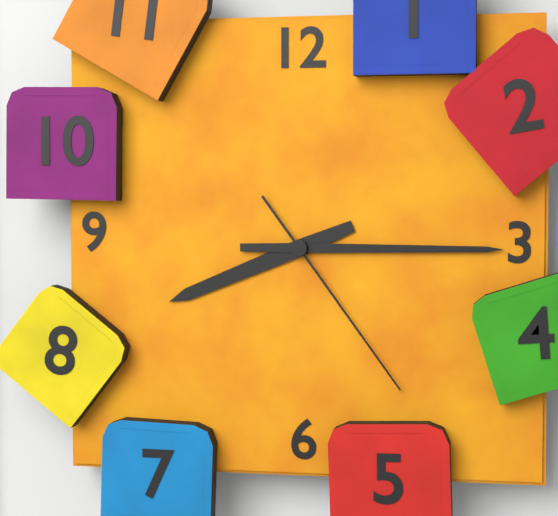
8:15:24
